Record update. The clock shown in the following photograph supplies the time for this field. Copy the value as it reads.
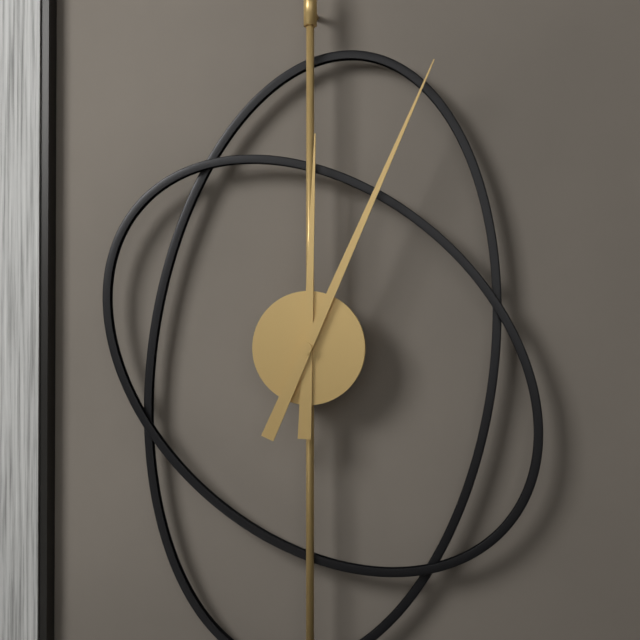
12:04
